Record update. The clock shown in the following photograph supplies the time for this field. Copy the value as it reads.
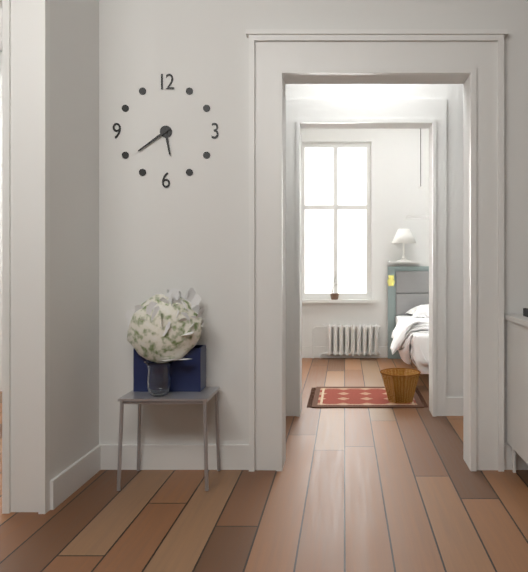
5:39
